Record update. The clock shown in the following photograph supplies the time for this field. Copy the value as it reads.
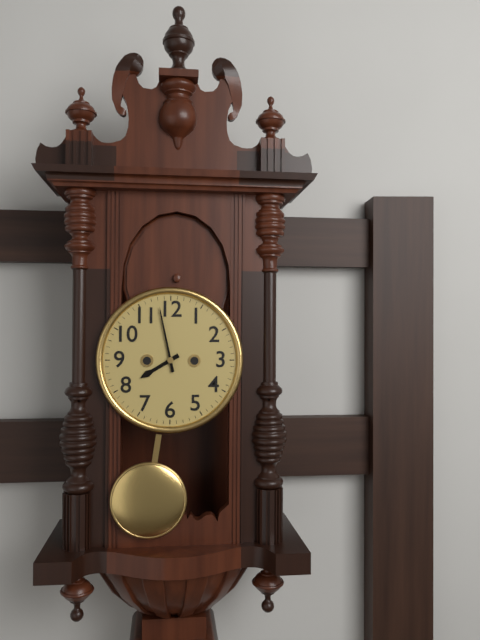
7:58
